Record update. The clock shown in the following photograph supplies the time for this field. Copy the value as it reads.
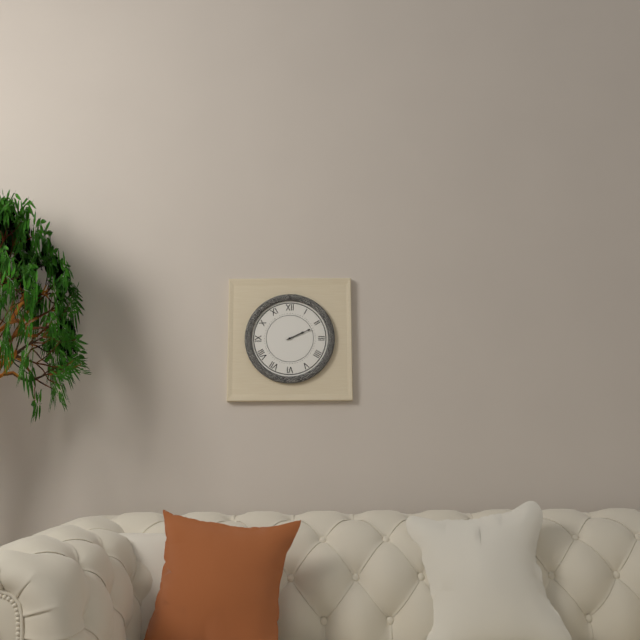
2:11
